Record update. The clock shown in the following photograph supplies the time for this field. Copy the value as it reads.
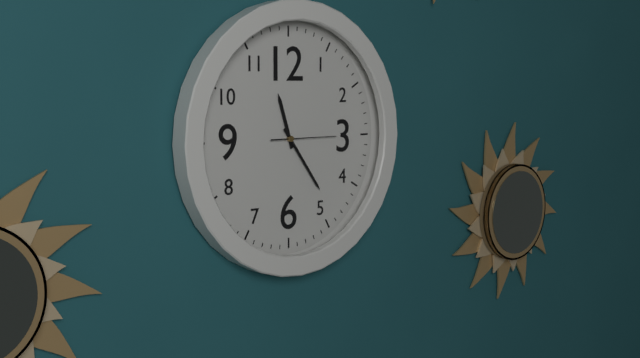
11:24:15
